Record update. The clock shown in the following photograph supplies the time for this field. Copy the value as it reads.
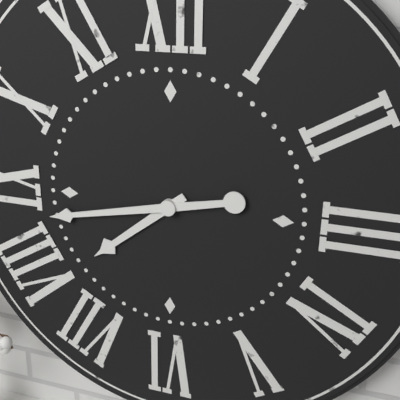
7:43
